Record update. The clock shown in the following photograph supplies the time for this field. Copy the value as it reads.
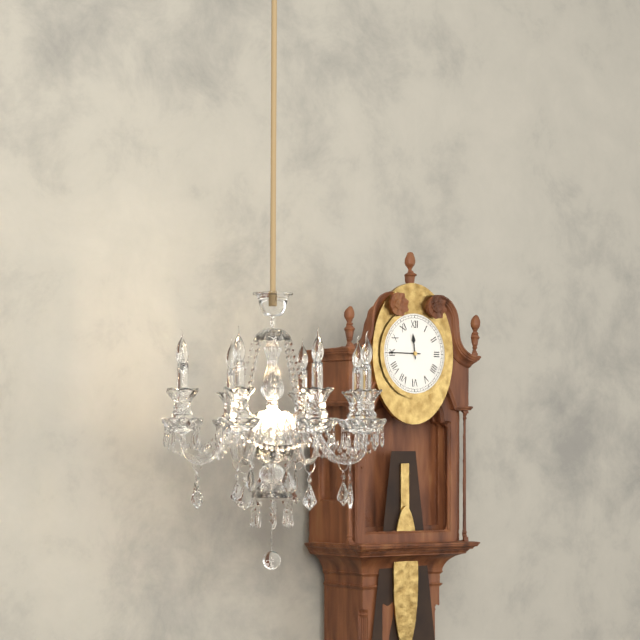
11:45
